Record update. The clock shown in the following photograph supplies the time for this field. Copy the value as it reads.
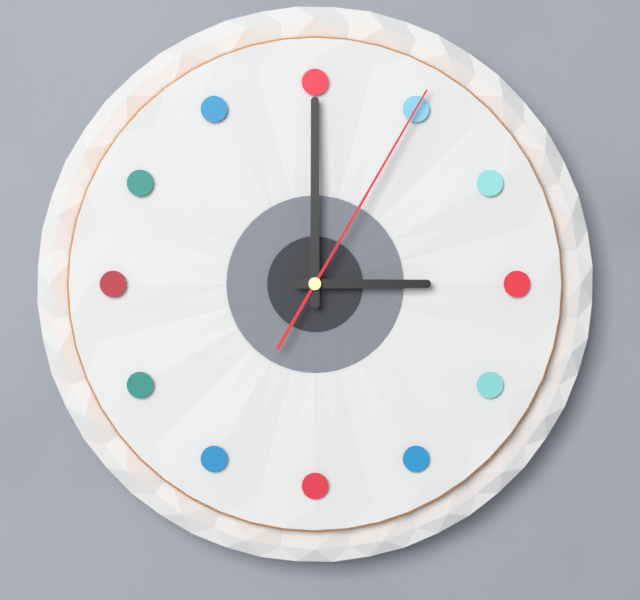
3:00:05
